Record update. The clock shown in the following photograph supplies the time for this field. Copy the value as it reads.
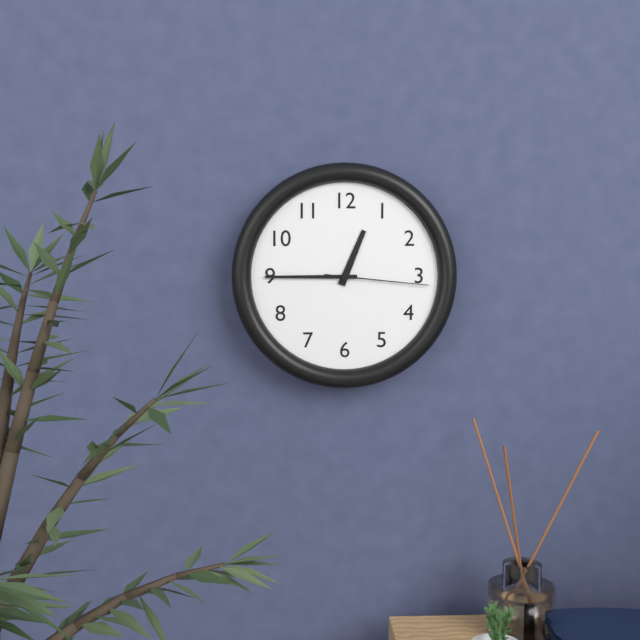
12:45:16
